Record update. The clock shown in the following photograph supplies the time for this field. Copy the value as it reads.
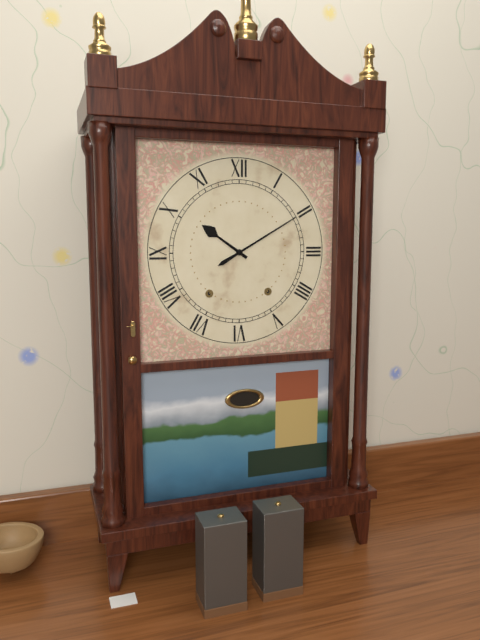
10:10
